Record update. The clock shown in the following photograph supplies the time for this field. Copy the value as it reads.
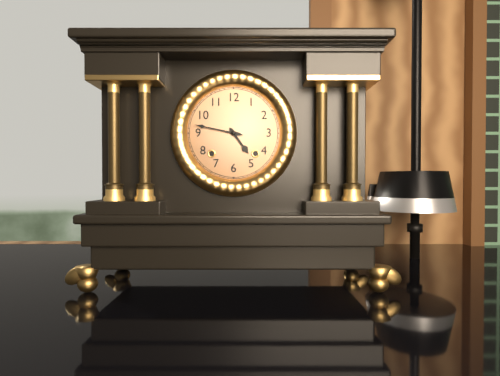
4:47
